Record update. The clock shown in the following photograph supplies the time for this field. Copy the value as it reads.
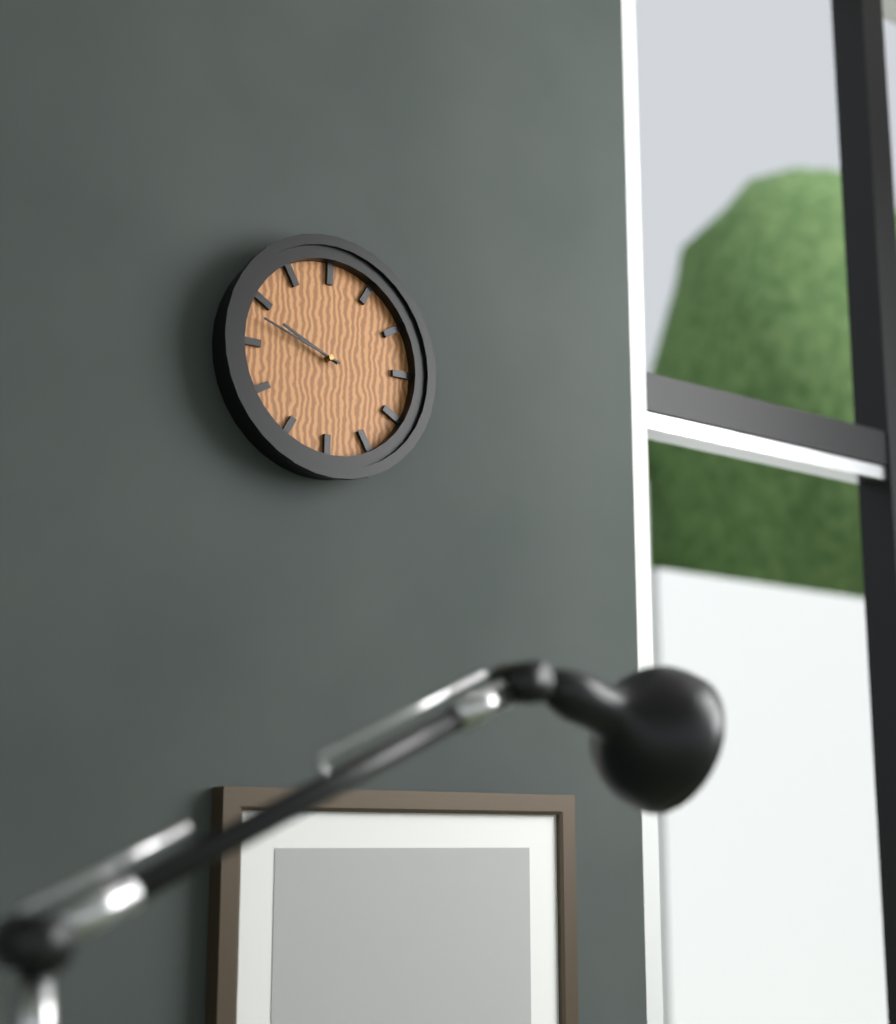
9:48
